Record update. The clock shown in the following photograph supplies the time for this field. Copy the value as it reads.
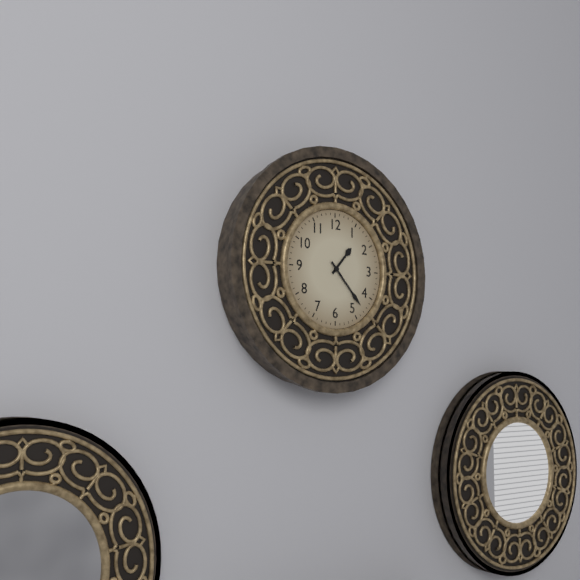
1:23
